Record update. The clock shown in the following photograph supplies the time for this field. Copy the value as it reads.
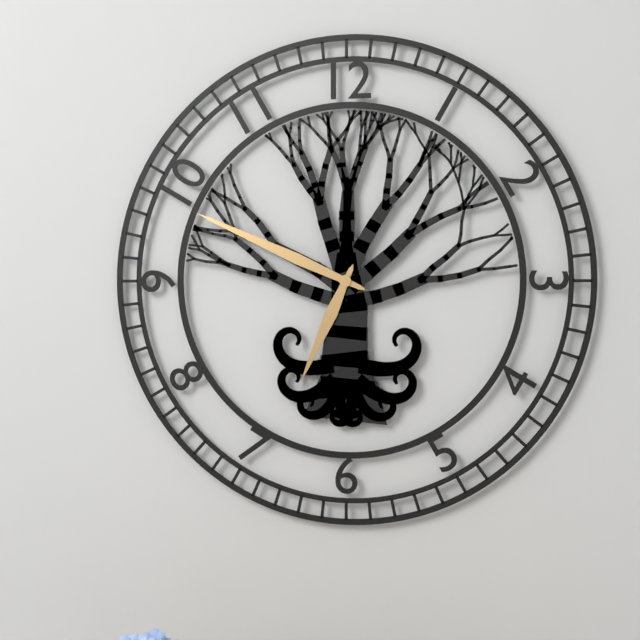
6:49
